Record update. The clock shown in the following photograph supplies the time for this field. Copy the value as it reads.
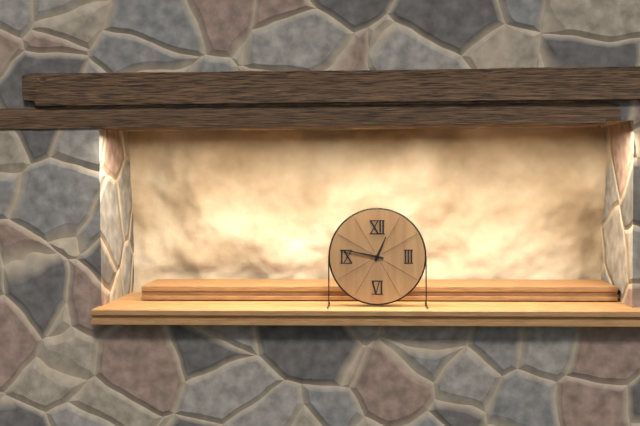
12:47
